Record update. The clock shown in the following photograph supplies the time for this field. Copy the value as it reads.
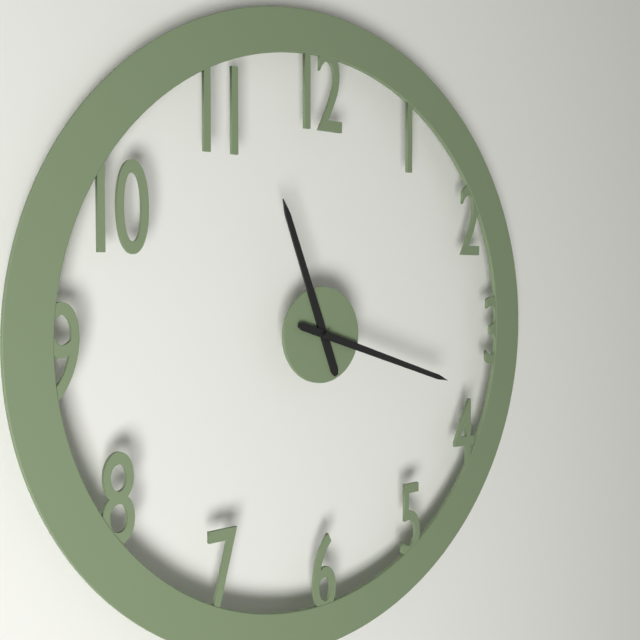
11:18
